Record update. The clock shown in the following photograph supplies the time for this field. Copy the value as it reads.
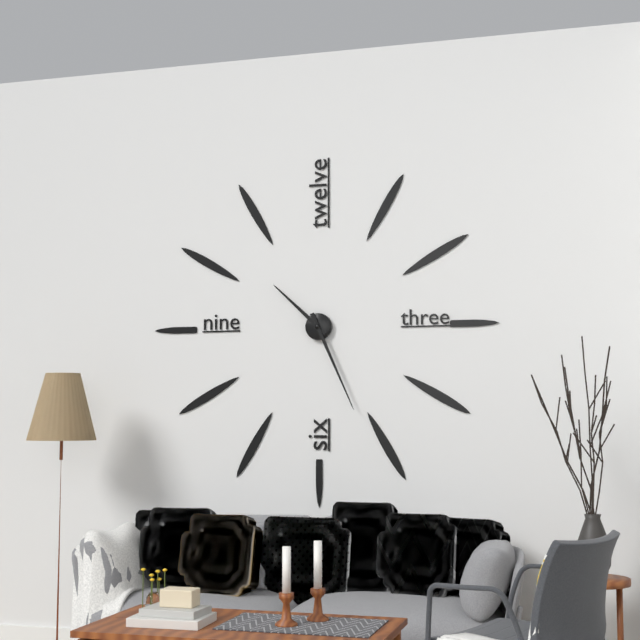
10:26
